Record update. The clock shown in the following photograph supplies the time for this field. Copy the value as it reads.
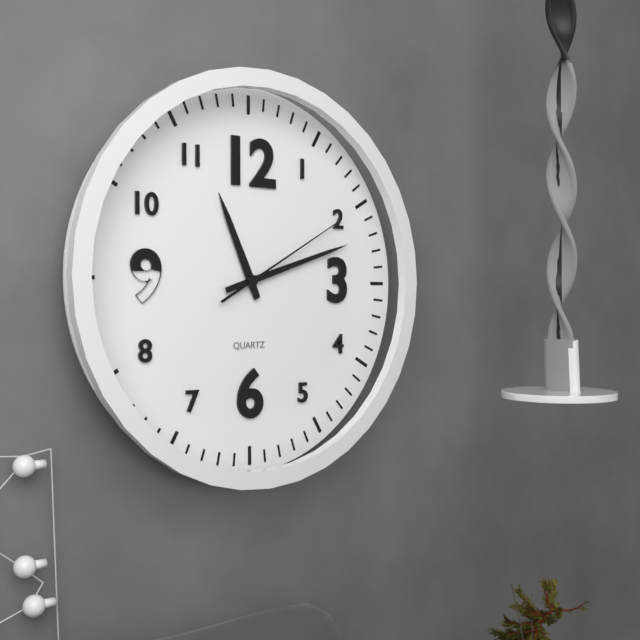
11:12:10
